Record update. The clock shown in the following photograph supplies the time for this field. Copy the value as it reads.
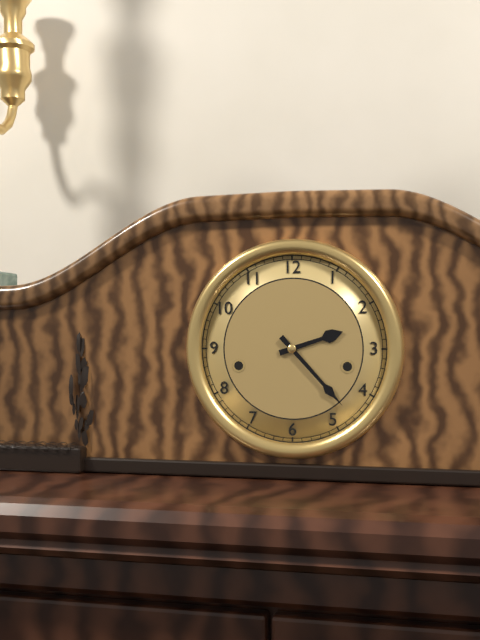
2:23
